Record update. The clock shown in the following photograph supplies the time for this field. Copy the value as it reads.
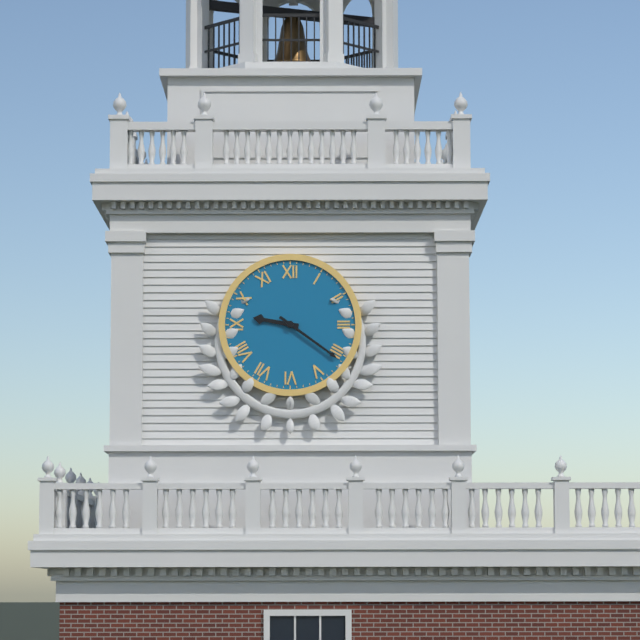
9:21
